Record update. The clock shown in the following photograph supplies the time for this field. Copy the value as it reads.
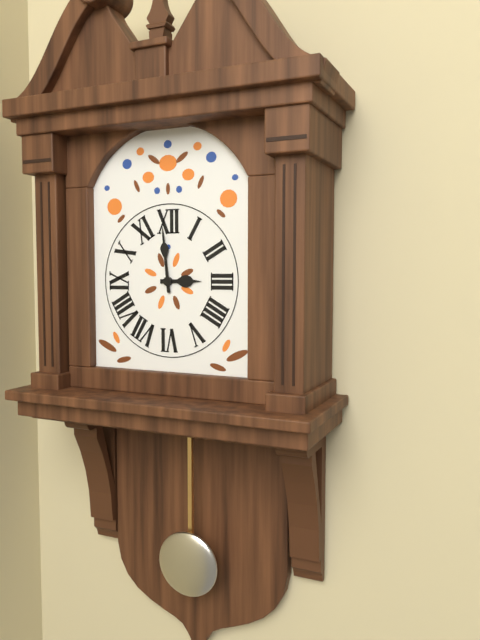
2:59
